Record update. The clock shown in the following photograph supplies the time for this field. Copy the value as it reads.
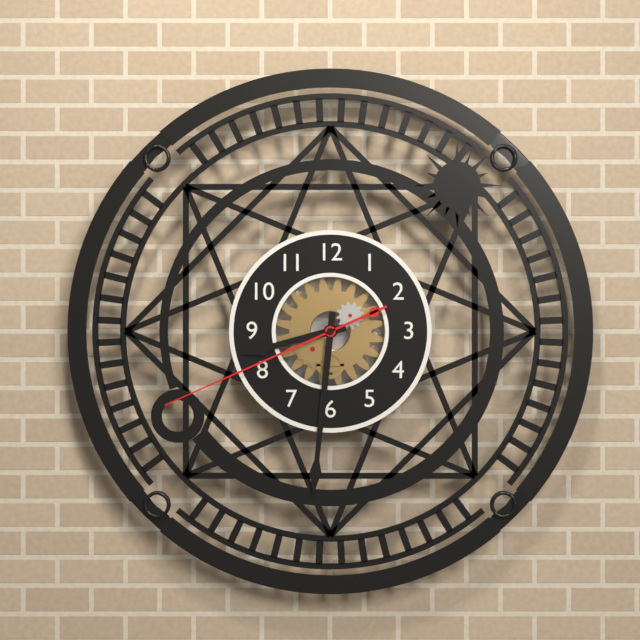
8:31:41
